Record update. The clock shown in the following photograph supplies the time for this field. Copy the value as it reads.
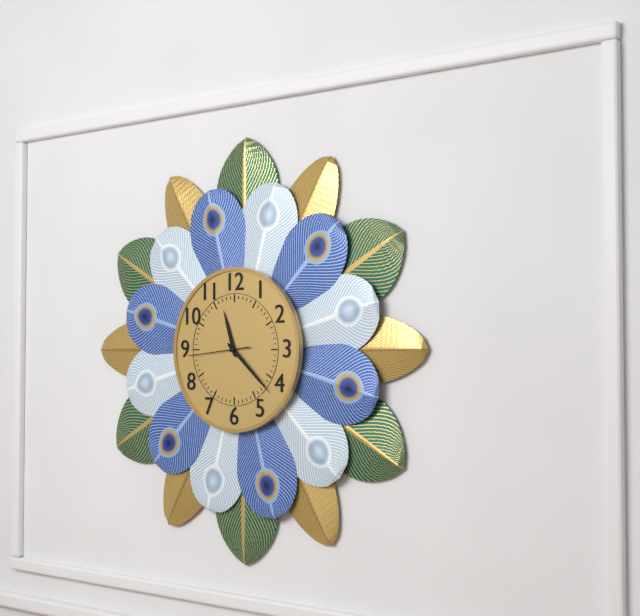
11:22:44
